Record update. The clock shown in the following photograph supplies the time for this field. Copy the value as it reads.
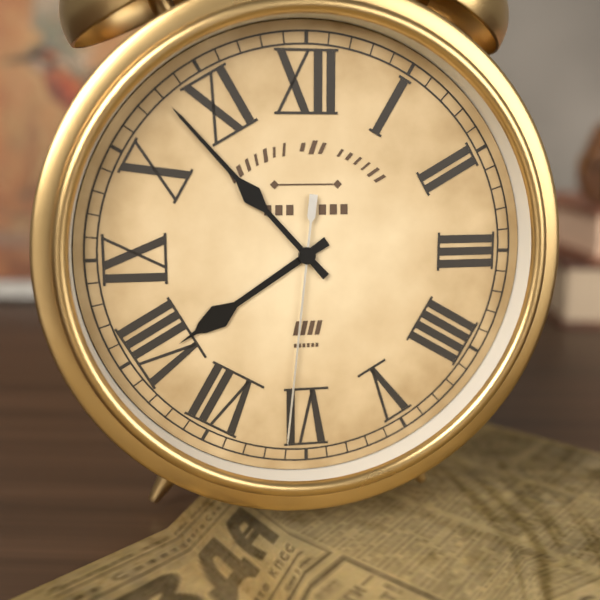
7:53:31
